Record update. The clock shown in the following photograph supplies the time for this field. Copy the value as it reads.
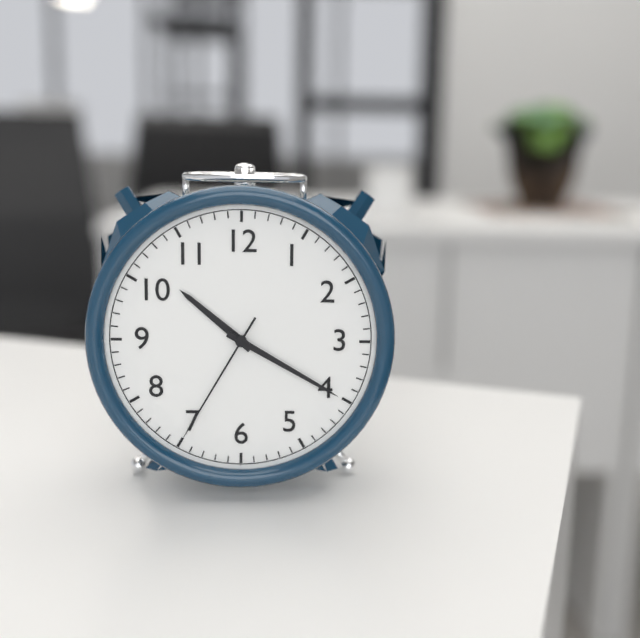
10:20:35
